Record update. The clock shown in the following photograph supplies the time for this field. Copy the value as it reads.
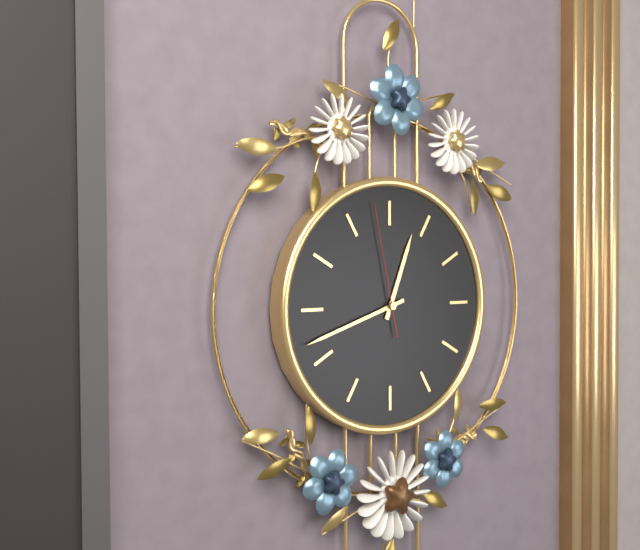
12:42:58
